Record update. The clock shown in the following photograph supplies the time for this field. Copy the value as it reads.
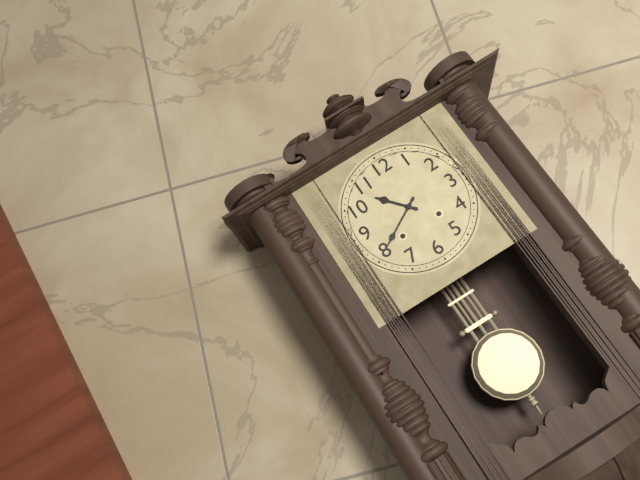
10:40
